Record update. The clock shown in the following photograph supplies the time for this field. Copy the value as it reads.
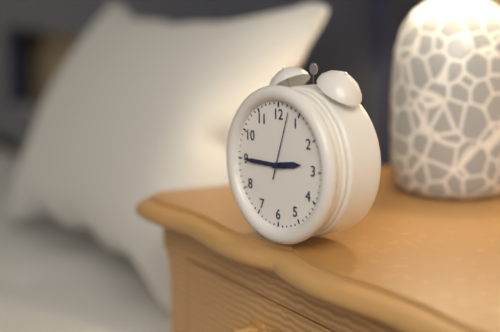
2:45:03
